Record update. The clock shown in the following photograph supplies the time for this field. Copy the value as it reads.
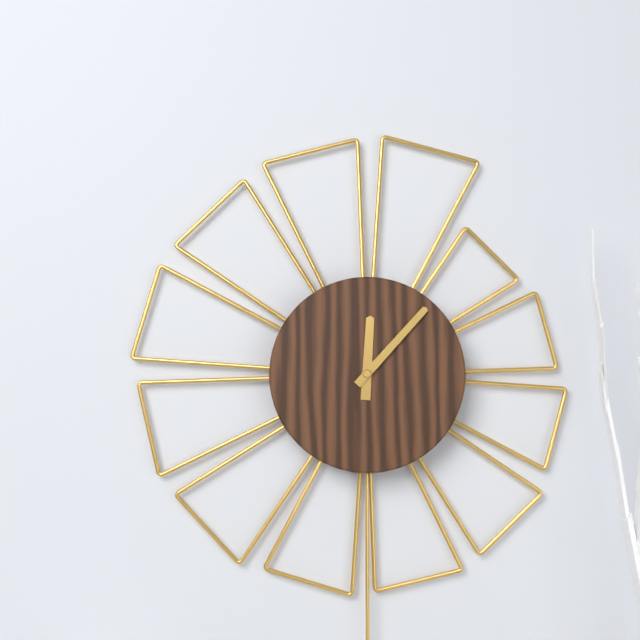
12:07
